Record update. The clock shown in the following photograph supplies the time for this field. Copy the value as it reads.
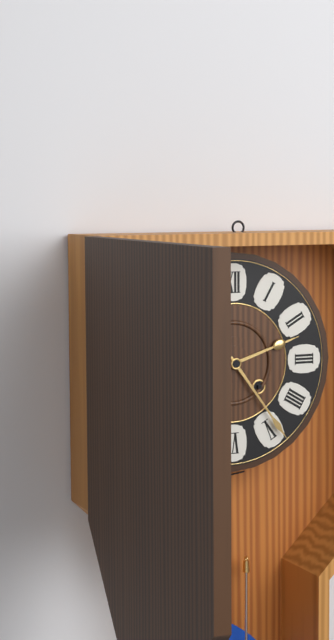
2:24
